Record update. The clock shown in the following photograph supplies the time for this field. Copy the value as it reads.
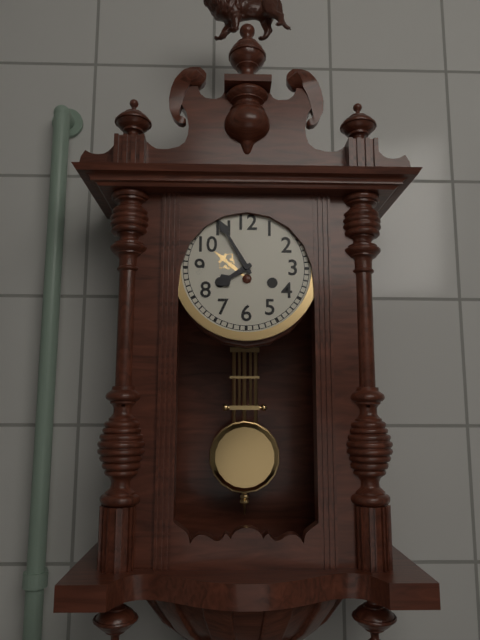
7:55
